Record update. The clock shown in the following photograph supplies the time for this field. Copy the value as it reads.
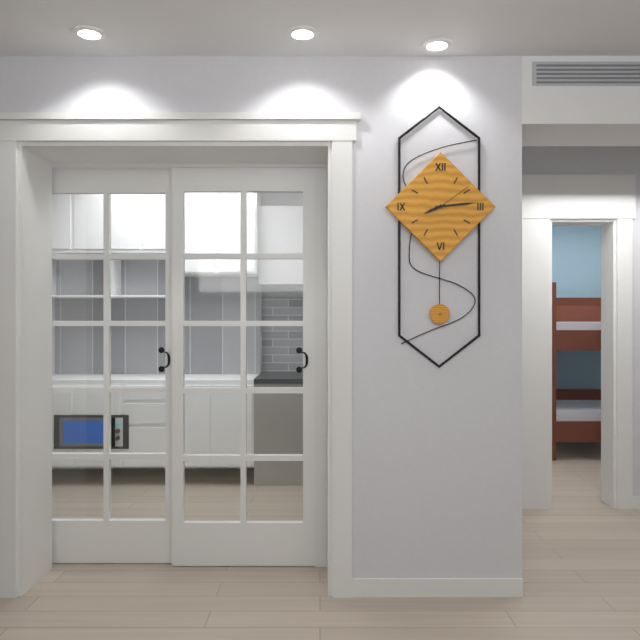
8:14
